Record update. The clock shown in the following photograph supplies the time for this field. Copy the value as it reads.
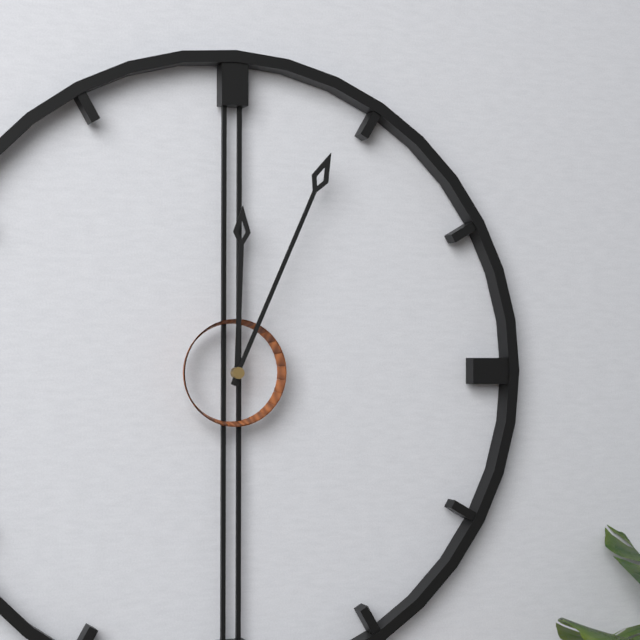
12:04
